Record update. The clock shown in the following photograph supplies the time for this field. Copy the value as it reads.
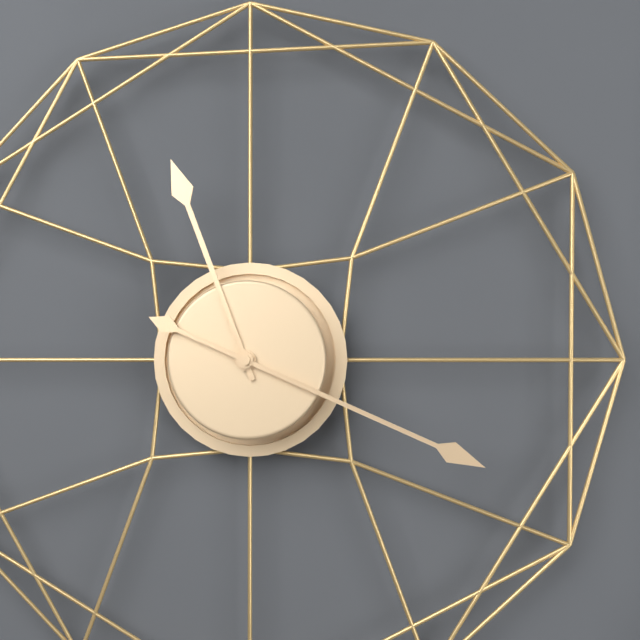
11:19
